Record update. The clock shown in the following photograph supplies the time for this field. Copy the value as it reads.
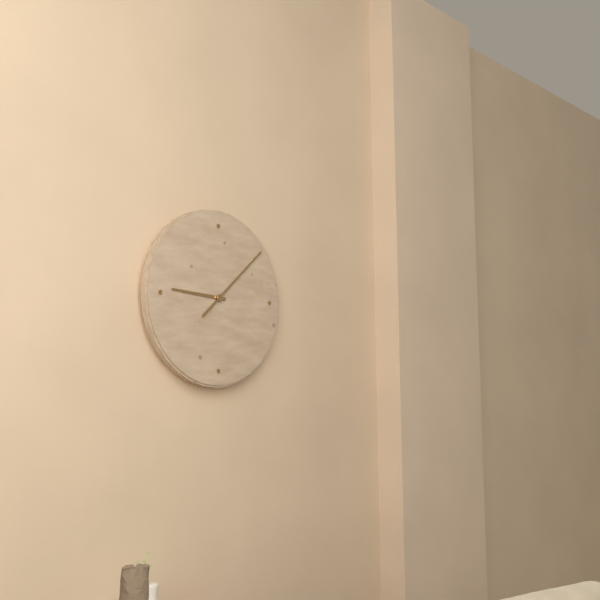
9:08
